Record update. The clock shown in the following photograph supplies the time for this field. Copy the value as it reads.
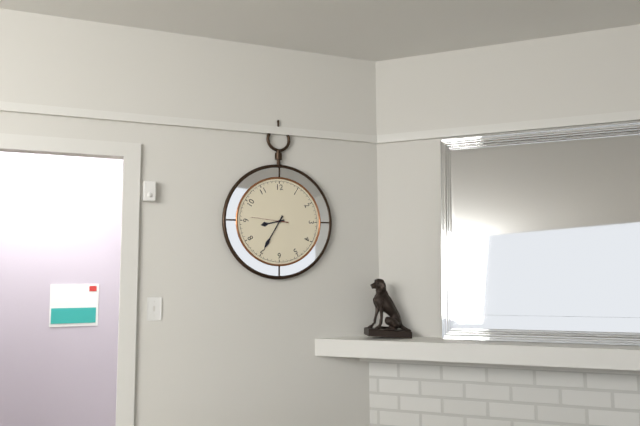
8:35
